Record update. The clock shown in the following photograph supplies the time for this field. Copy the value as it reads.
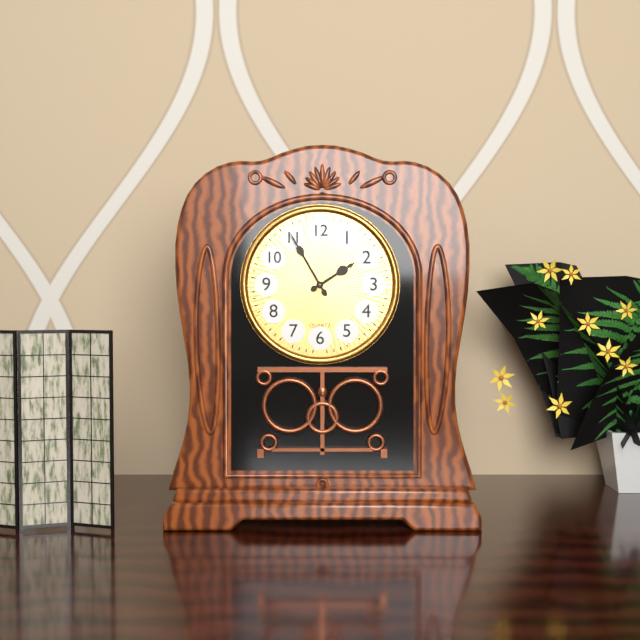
1:55
